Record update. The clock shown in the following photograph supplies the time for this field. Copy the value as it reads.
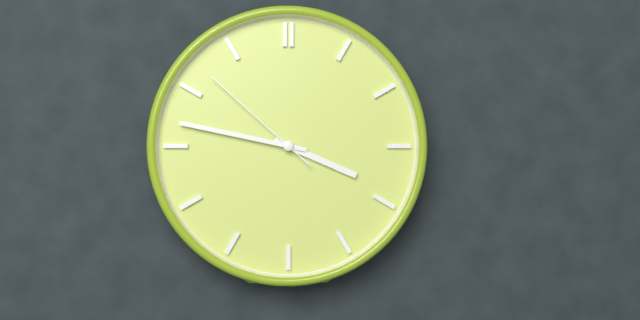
3:47:52
